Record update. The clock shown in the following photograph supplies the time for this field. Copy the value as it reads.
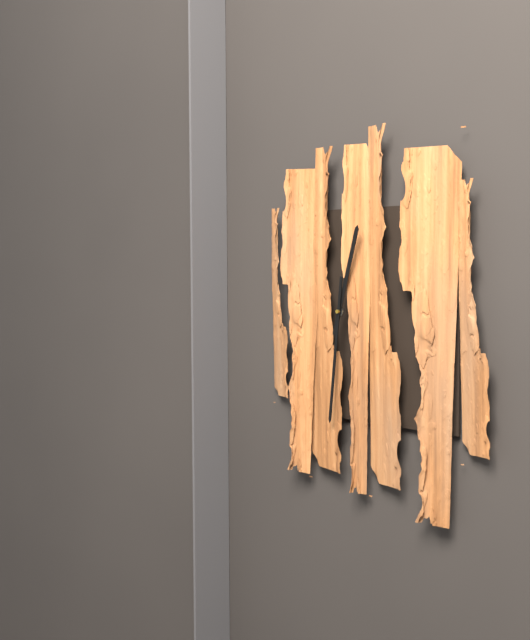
12:31
